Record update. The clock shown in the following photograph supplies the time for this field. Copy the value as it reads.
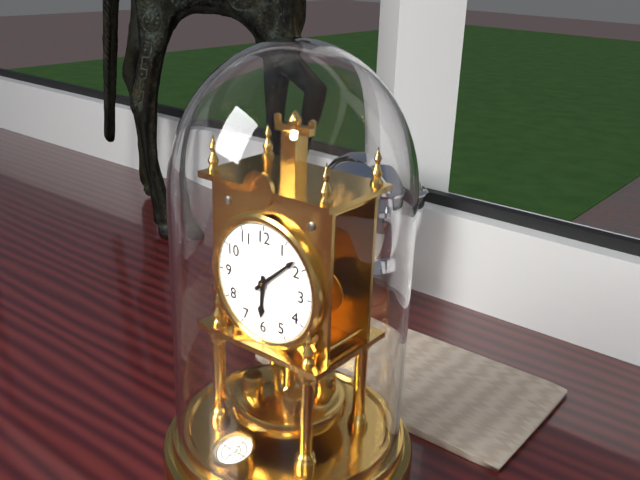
6:08
